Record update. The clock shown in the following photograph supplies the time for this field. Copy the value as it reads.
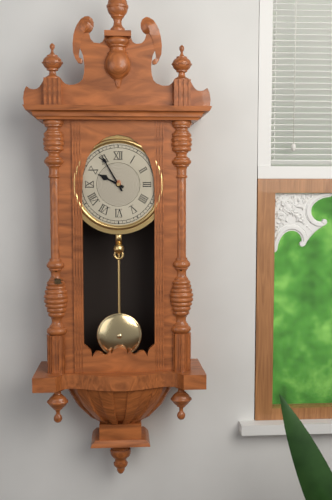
9:55
